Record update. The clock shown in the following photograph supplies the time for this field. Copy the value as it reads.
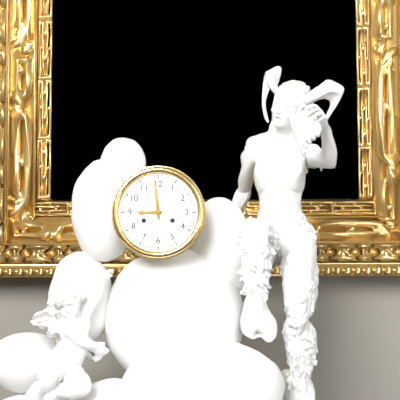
8:59
